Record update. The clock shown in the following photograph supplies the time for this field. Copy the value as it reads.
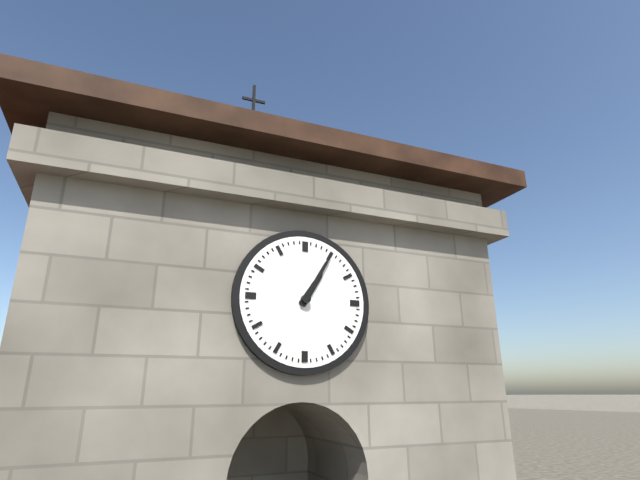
1:05
